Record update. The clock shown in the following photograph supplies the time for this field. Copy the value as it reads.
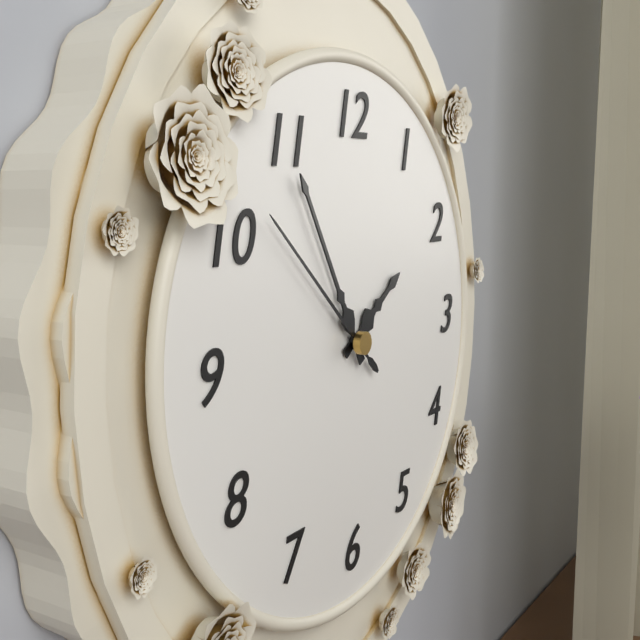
1:55:52
